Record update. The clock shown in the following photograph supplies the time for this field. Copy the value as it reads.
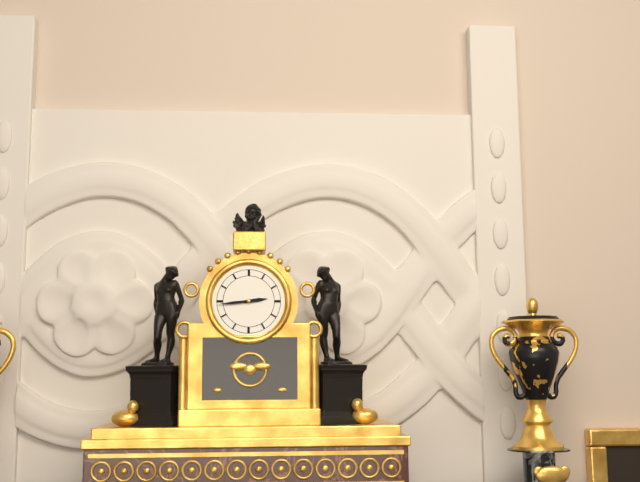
2:44
